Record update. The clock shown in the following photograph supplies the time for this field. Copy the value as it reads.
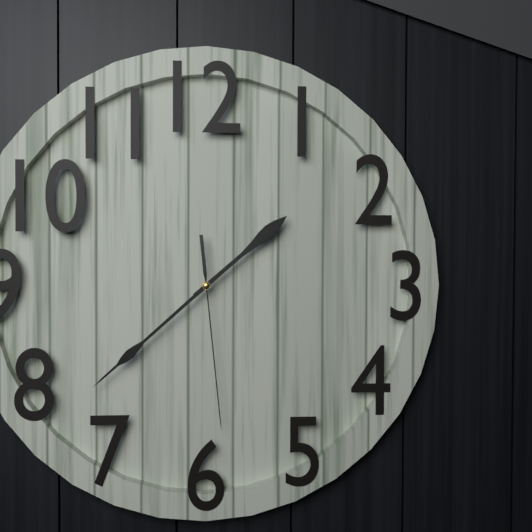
1:38:29
